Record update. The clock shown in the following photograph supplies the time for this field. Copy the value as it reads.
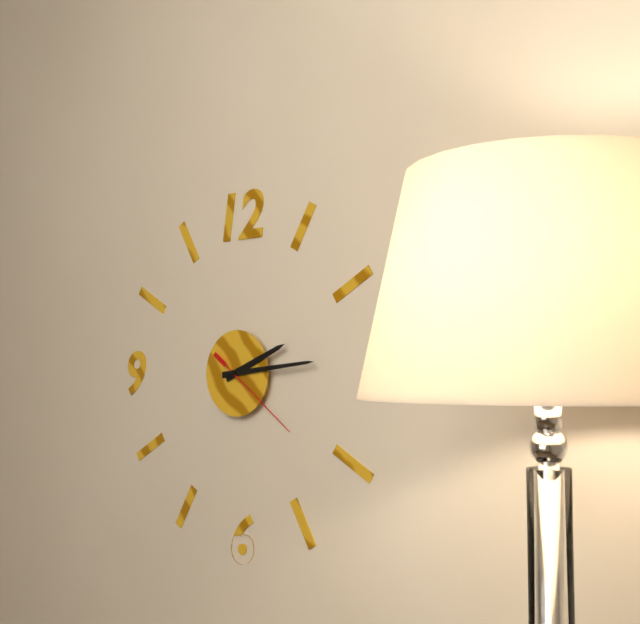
2:14:21
